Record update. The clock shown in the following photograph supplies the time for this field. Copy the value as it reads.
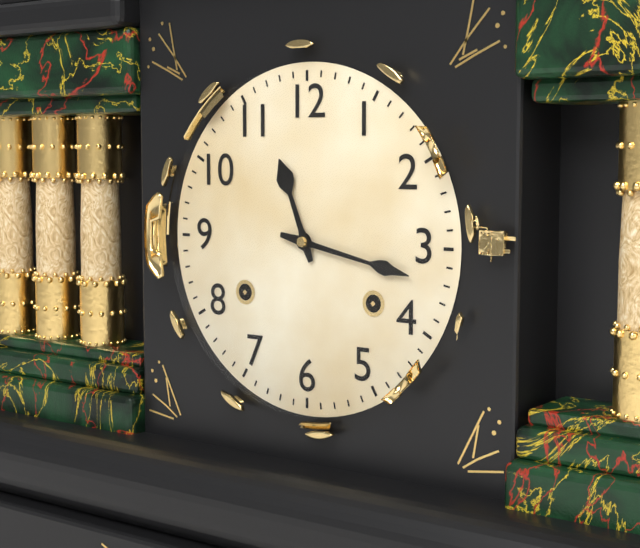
11:17
